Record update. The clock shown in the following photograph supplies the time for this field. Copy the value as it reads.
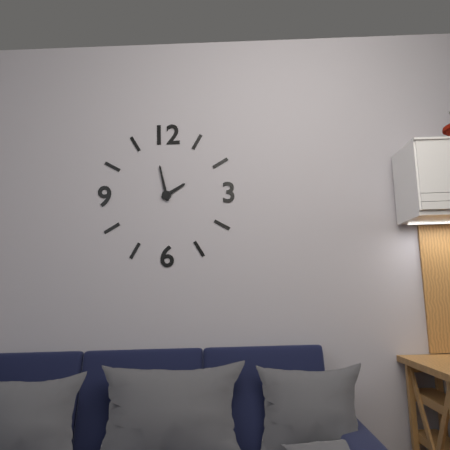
1:58
